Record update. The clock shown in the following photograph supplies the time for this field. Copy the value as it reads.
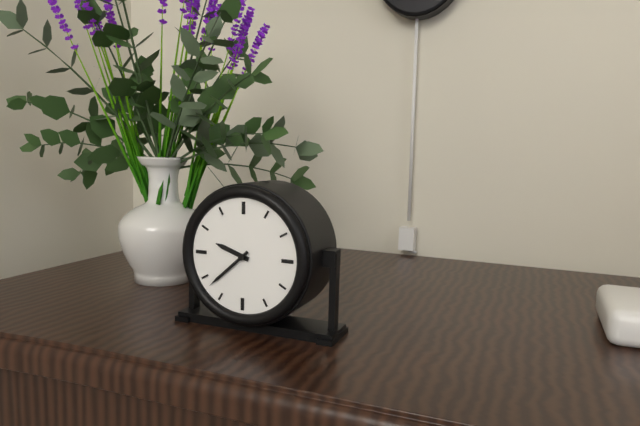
9:38
